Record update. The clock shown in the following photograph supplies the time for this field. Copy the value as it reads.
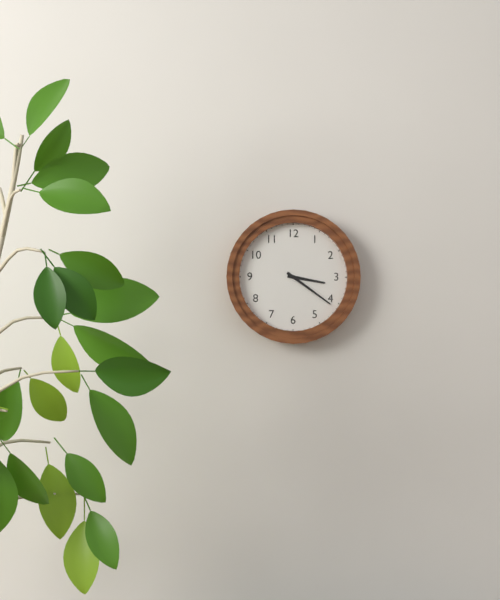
3:21
